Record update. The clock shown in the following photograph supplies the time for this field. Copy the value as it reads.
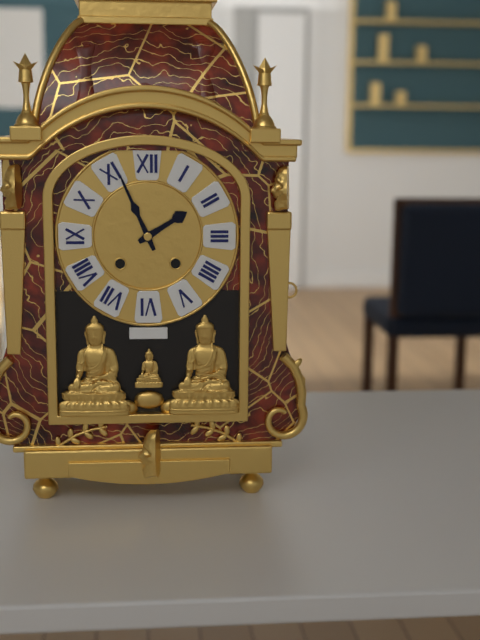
1:56
